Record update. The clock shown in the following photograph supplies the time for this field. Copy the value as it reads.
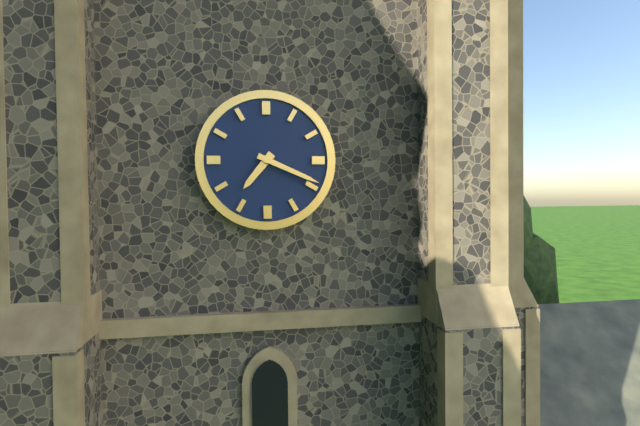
7:19
